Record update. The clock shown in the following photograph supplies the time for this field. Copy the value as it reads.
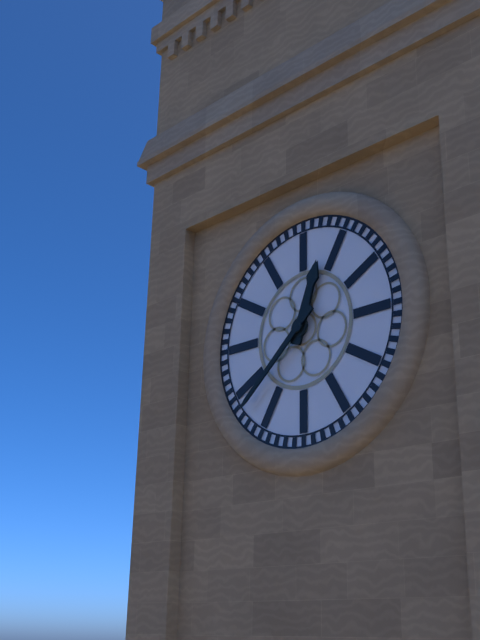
12:38
